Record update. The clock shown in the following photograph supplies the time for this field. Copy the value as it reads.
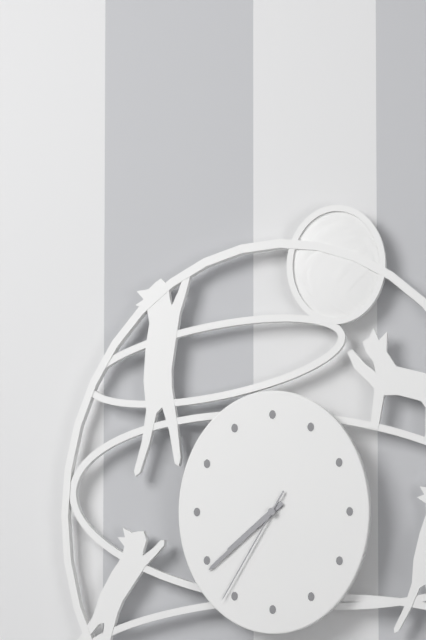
7:38:35
